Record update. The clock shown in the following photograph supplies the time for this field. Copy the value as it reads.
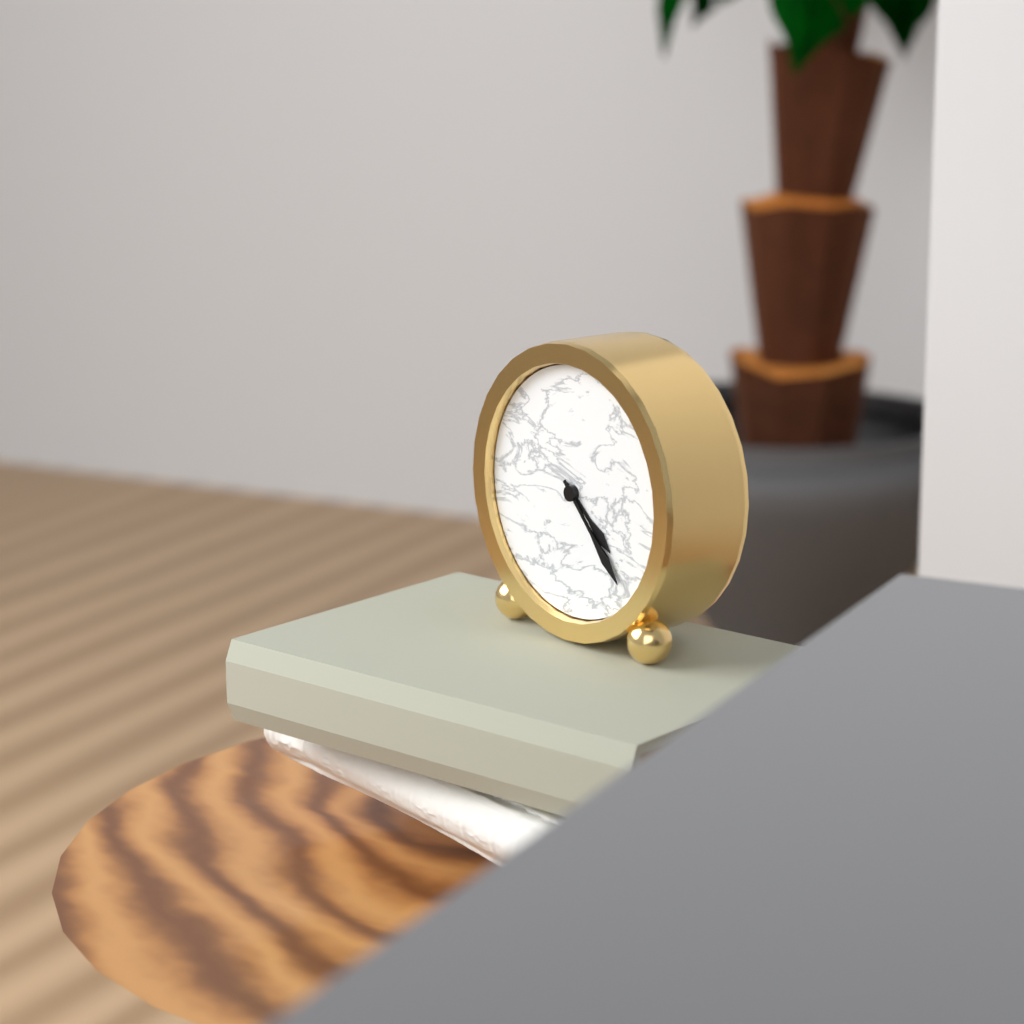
4:23
